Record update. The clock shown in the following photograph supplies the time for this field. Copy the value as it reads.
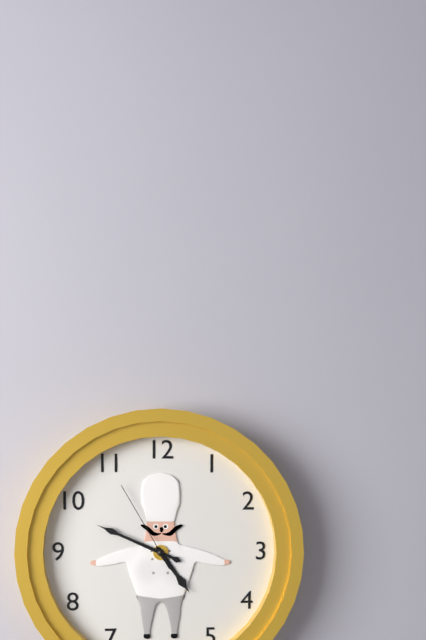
4:49:55
